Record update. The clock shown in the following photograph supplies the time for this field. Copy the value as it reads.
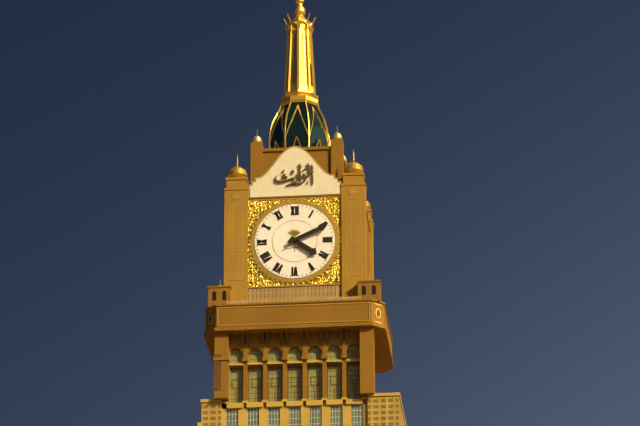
4:11
